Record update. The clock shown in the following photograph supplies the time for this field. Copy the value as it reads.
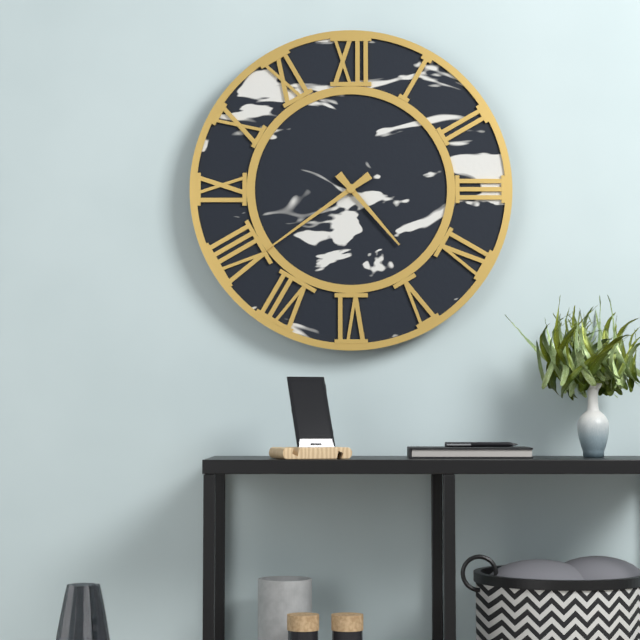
4:39
